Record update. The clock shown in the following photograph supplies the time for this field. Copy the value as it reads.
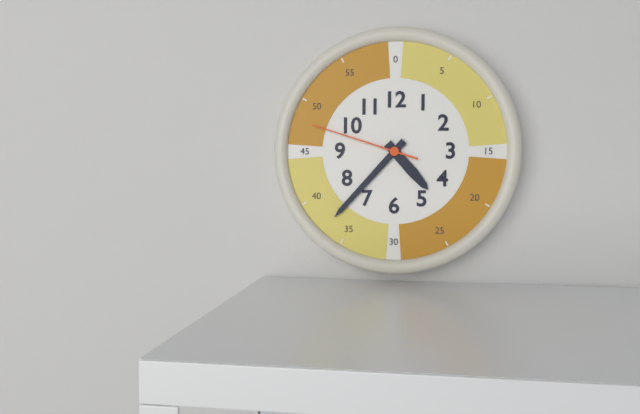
4:37:48
